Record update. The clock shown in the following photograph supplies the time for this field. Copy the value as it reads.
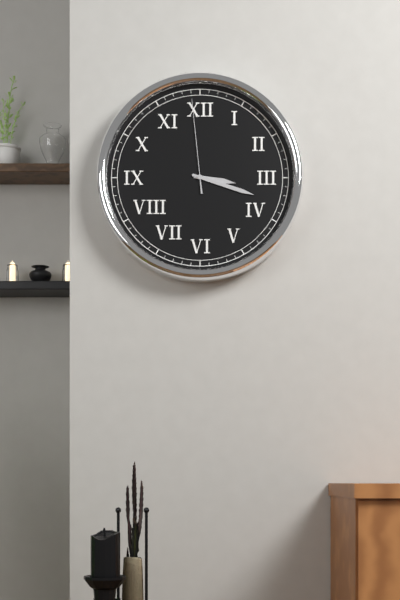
3:18:59
